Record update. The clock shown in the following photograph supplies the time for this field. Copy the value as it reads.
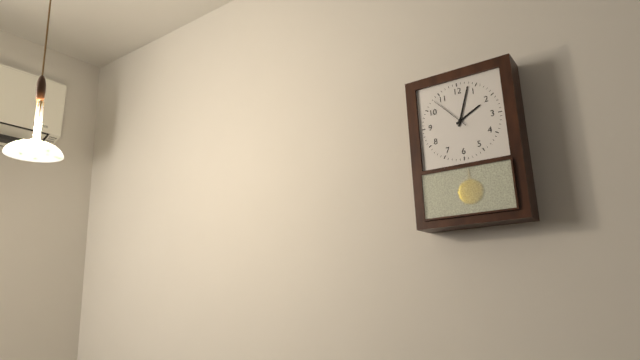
2:03
